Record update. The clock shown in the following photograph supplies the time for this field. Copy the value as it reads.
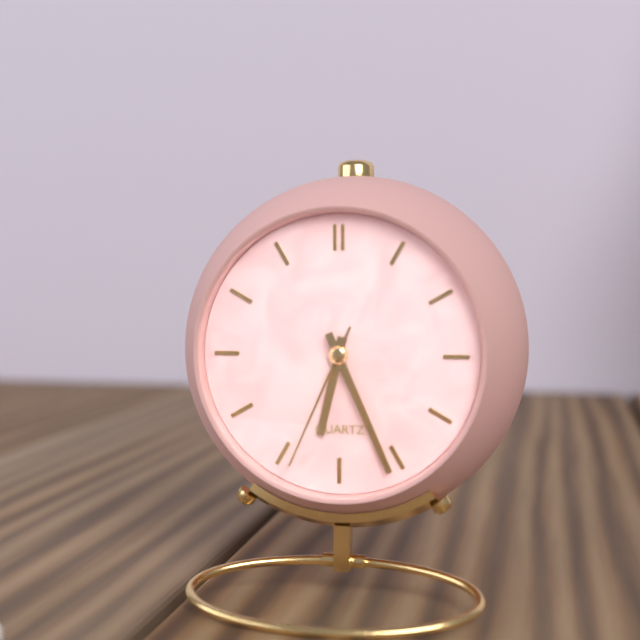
6:26:34
